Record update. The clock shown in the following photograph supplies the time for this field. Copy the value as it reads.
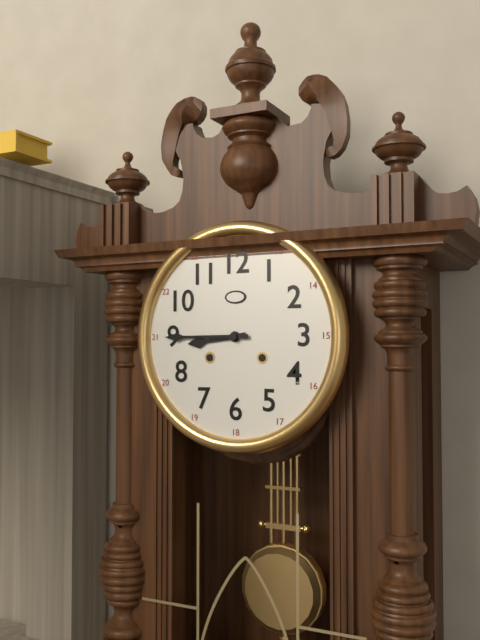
8:45
